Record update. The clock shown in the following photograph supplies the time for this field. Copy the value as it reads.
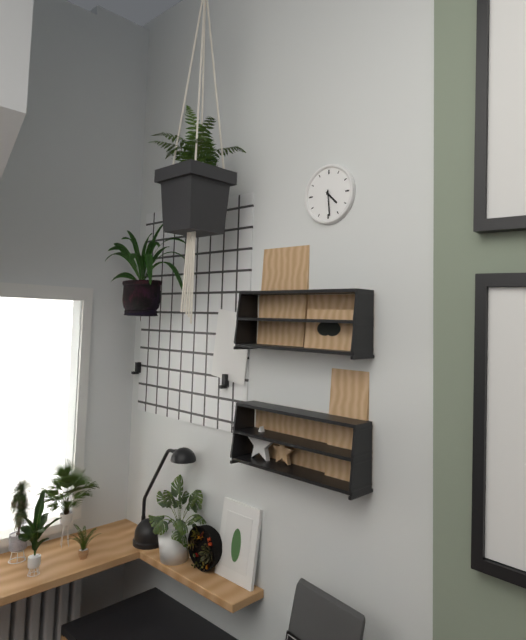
4:29
